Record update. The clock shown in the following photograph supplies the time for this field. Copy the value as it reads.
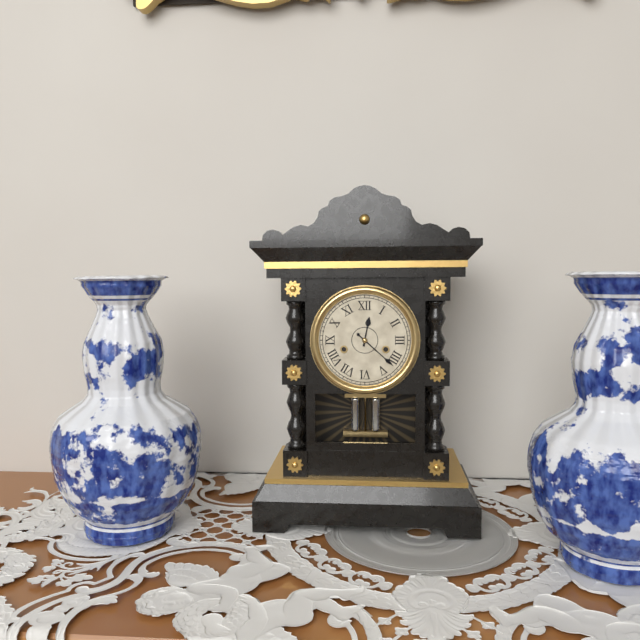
12:22
